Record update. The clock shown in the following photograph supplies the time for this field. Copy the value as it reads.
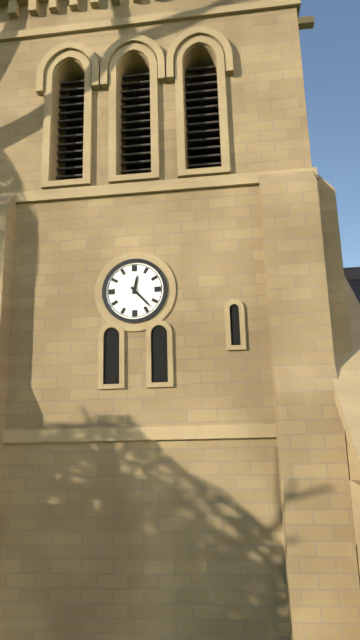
12:23
